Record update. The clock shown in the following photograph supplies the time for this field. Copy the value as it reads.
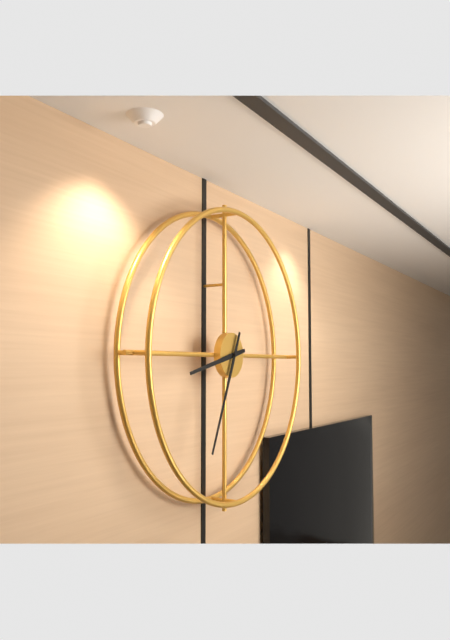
8:34
